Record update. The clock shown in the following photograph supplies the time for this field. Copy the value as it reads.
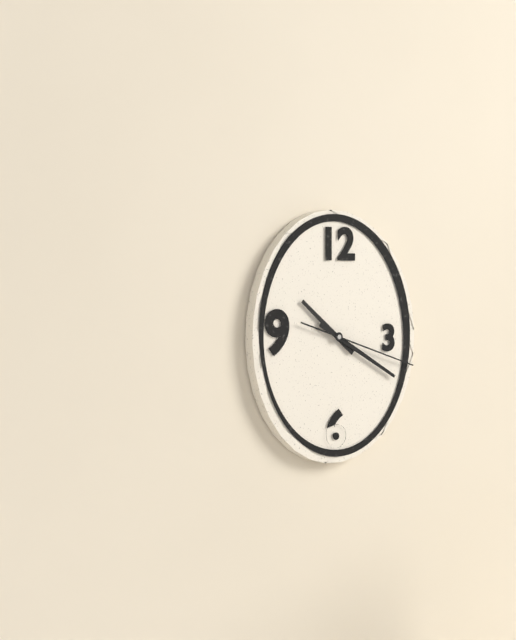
10:20:18
